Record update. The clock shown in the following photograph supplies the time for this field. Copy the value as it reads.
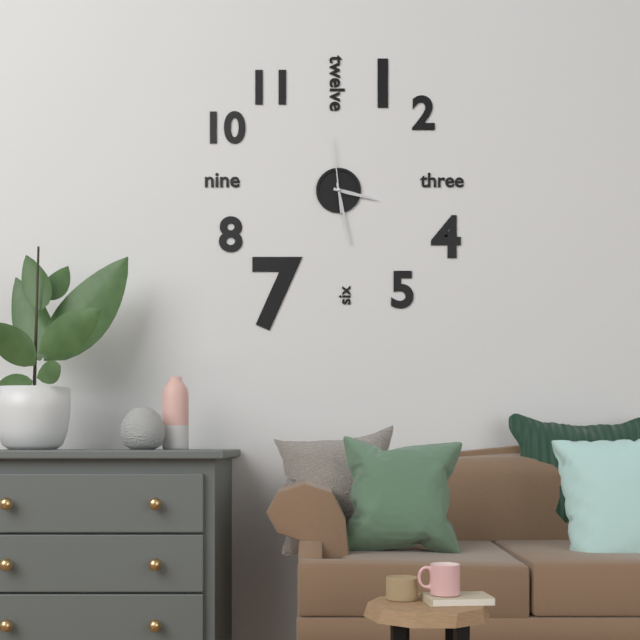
3:28:59
